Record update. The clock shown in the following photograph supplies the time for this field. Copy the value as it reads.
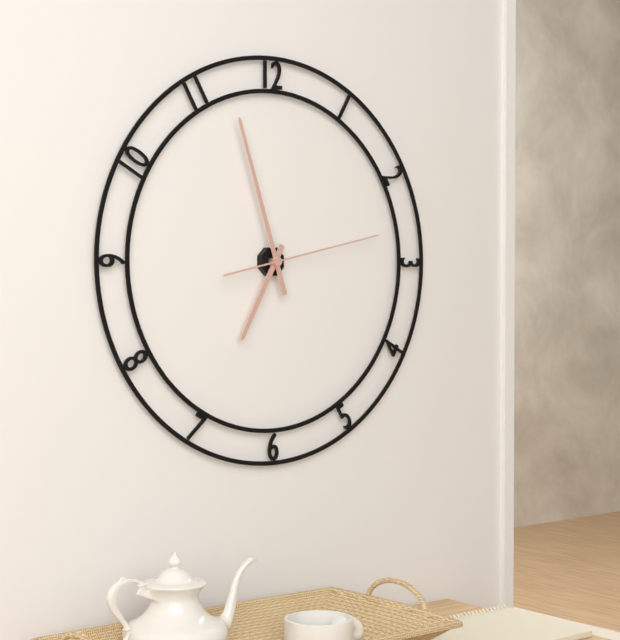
6:57:13
